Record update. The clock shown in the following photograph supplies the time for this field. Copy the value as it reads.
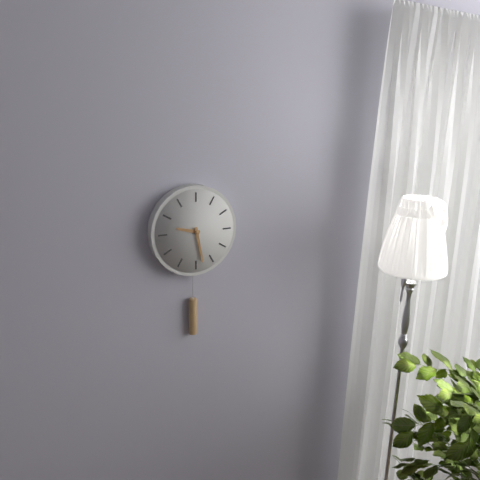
9:28
